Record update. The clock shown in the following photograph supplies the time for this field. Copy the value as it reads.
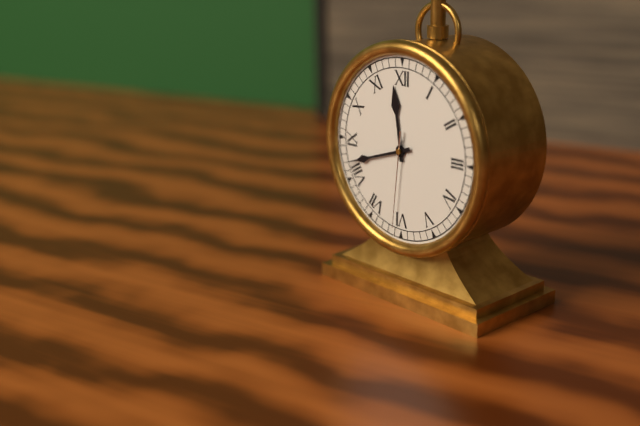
11:42:31
